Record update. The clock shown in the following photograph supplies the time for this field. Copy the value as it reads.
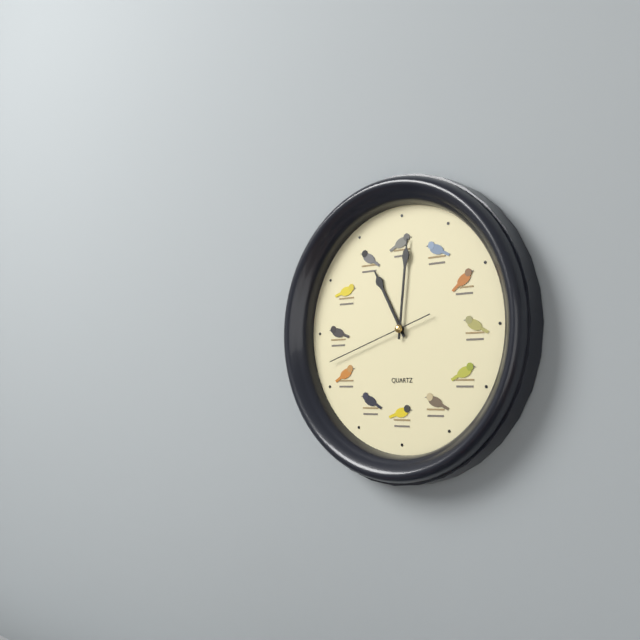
11:01:42
